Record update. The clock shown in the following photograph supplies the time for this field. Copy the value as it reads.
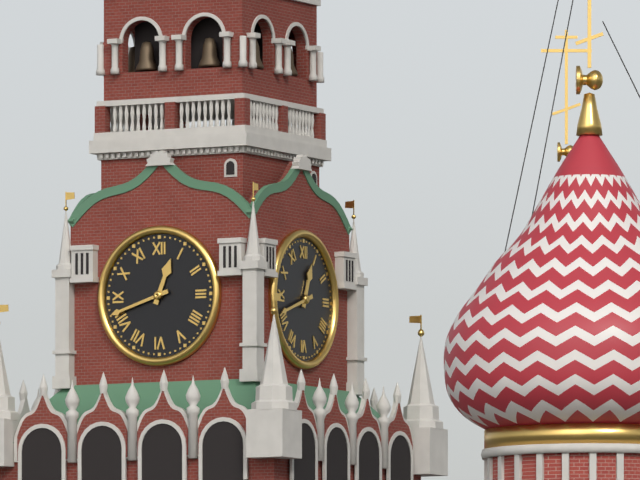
12:42
